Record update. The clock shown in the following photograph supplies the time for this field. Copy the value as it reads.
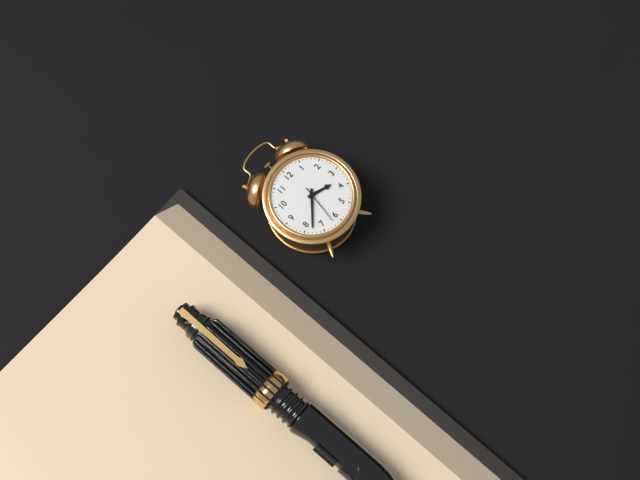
3:38
